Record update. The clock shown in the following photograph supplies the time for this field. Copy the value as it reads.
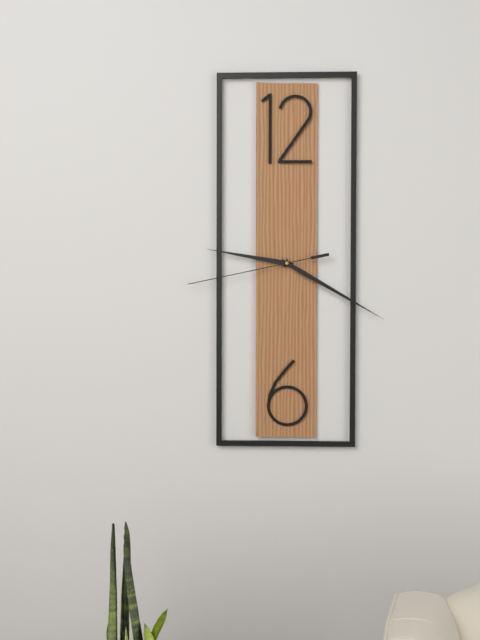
9:20:43
